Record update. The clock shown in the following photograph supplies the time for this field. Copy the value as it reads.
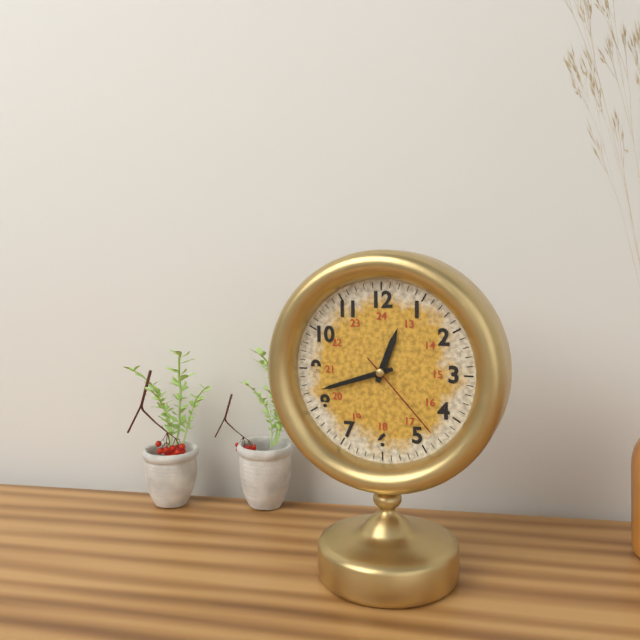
12:42:23
